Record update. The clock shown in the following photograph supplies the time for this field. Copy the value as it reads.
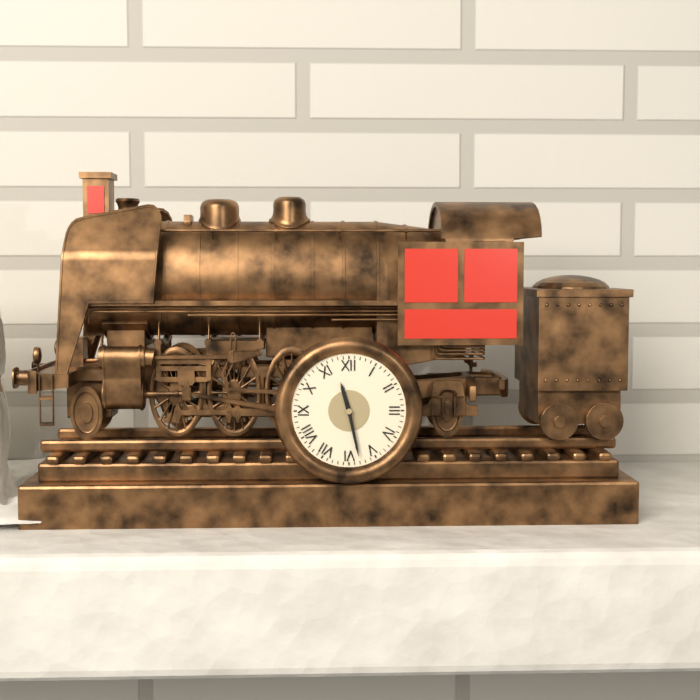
11:28
